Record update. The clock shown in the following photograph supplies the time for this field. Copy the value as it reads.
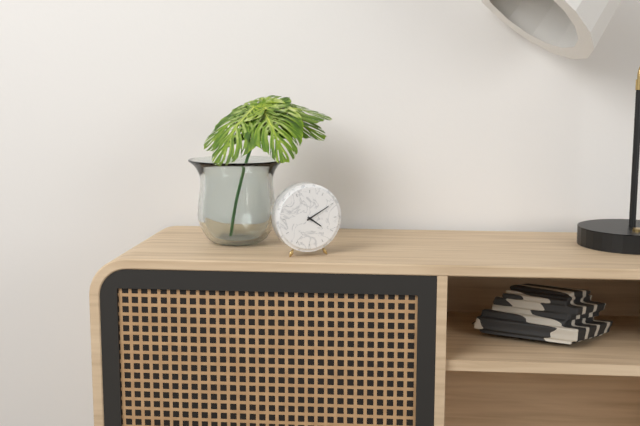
4:10
